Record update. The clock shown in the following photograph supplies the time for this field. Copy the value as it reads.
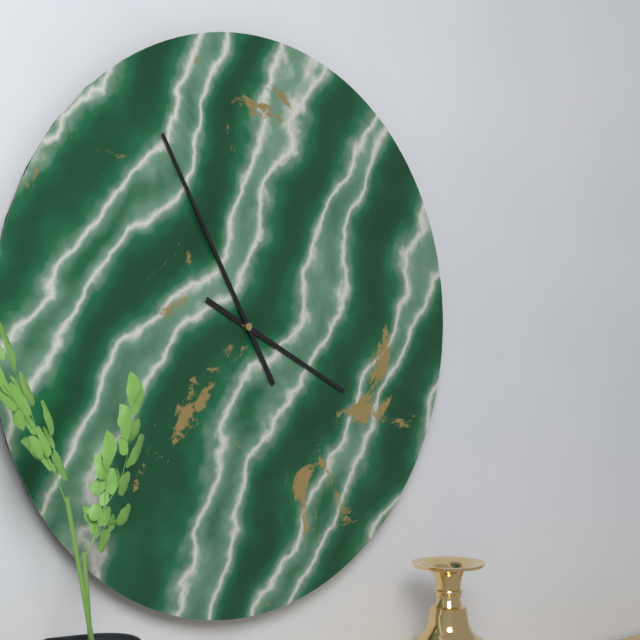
3:55
